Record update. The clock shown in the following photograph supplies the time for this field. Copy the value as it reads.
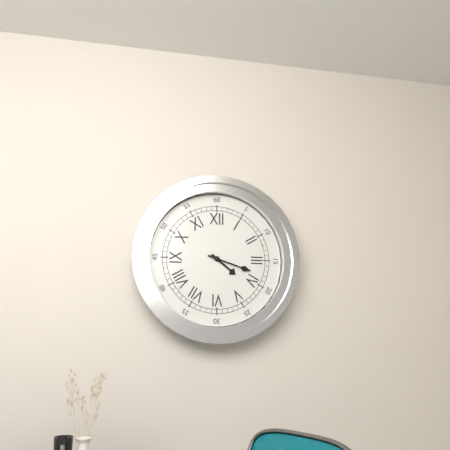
4:18
